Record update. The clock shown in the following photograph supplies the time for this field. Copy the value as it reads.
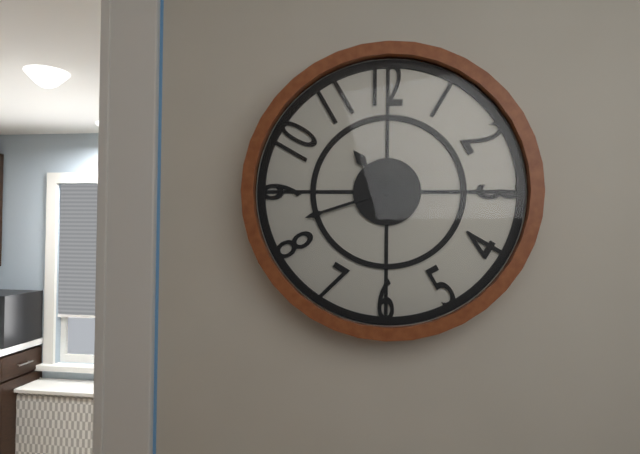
10:42
